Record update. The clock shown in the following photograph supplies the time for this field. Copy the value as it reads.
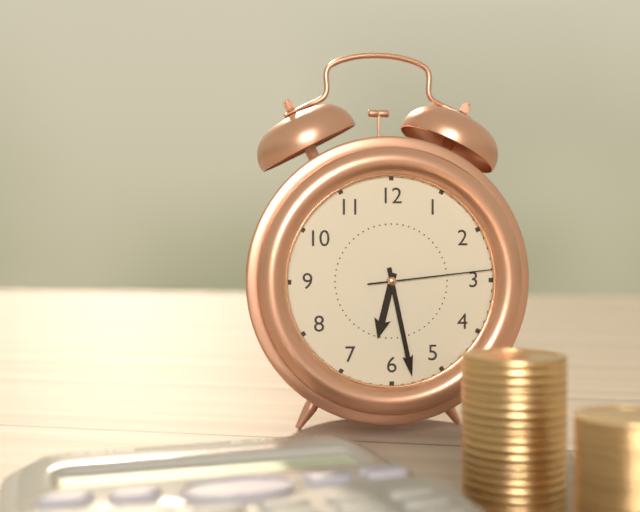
6:28:14
